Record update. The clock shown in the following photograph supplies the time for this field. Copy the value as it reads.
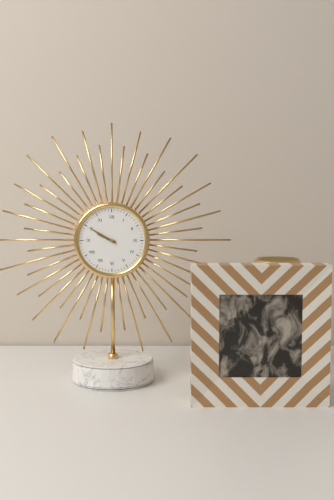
9:50
